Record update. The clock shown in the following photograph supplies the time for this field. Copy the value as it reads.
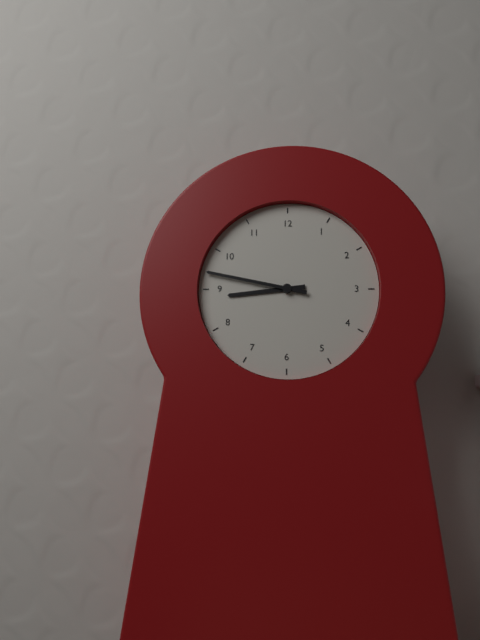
8:47
